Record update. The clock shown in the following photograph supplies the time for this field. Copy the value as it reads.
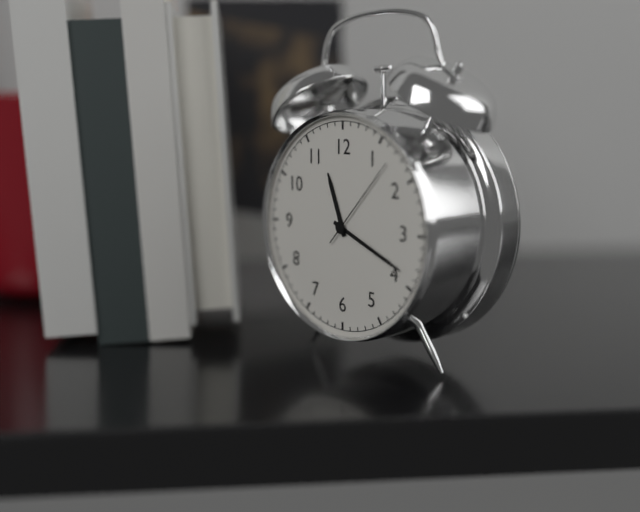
11:19:07
